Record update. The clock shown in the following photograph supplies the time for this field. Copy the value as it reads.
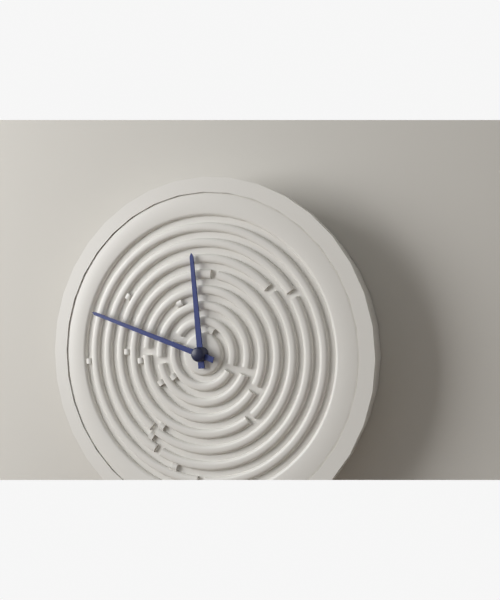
11:48
